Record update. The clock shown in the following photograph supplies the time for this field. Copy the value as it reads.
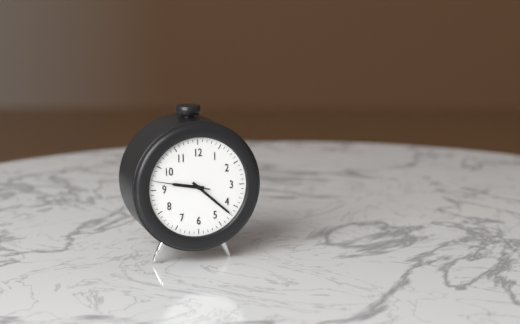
9:22:47
